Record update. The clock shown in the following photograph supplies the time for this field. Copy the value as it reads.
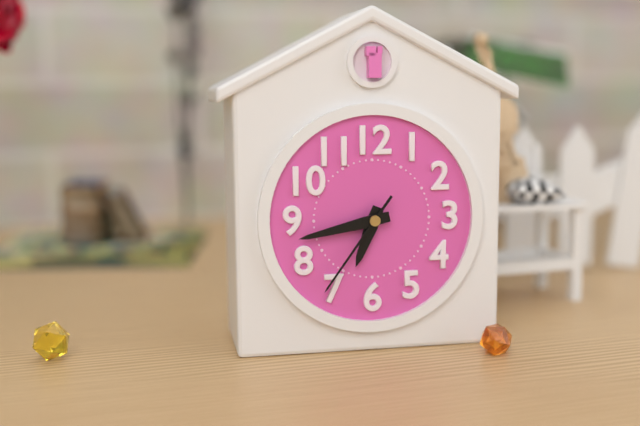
6:43:36
